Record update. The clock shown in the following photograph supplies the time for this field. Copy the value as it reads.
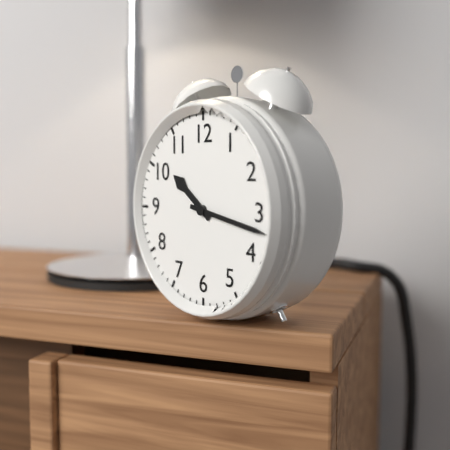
10:17
